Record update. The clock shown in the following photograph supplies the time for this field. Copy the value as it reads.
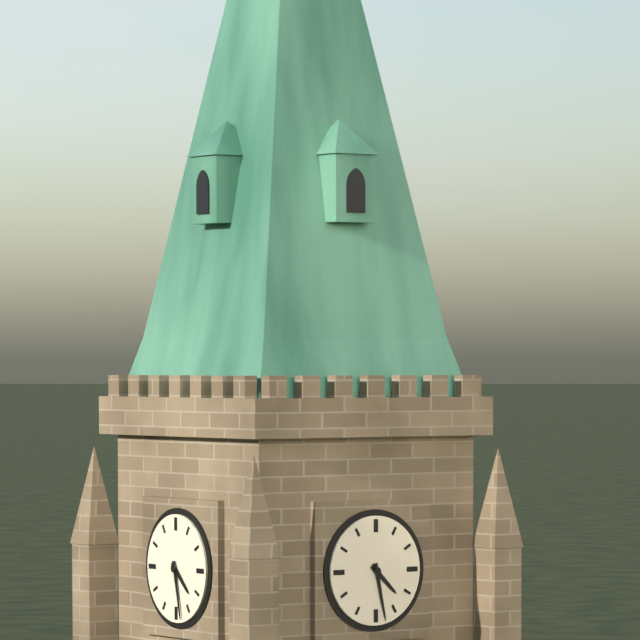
4:28
